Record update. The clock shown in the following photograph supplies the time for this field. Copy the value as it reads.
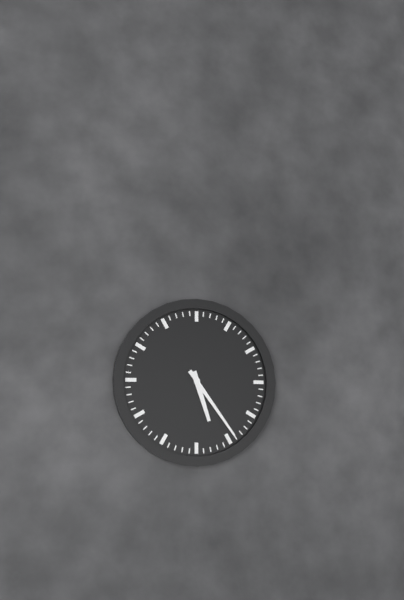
5:24
